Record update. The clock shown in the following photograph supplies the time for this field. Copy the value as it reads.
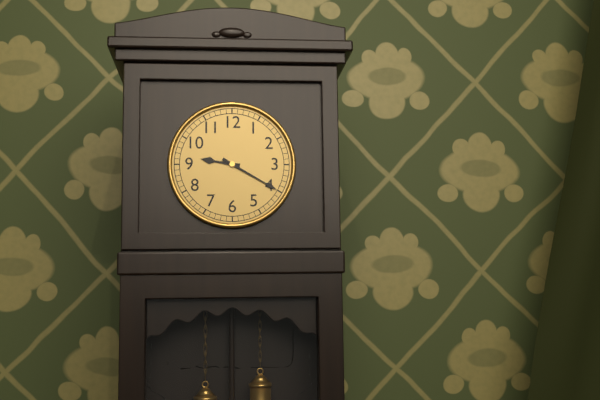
9:20
